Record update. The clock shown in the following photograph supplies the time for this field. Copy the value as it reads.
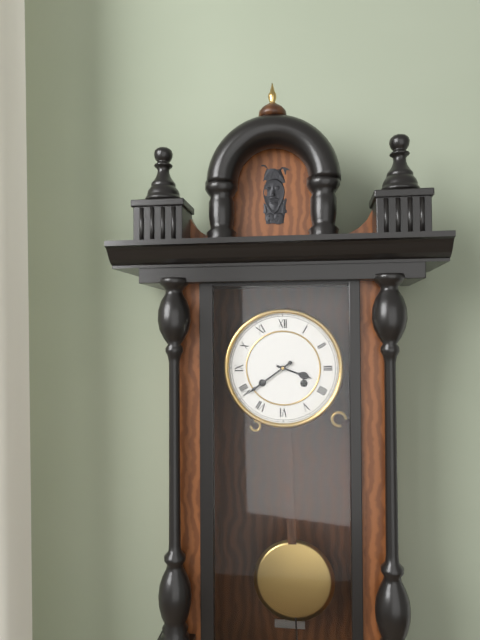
3:39
